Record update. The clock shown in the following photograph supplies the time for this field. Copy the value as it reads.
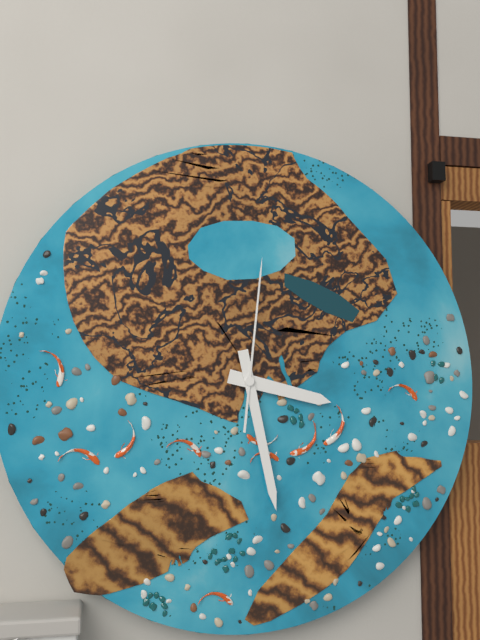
3:28:01
